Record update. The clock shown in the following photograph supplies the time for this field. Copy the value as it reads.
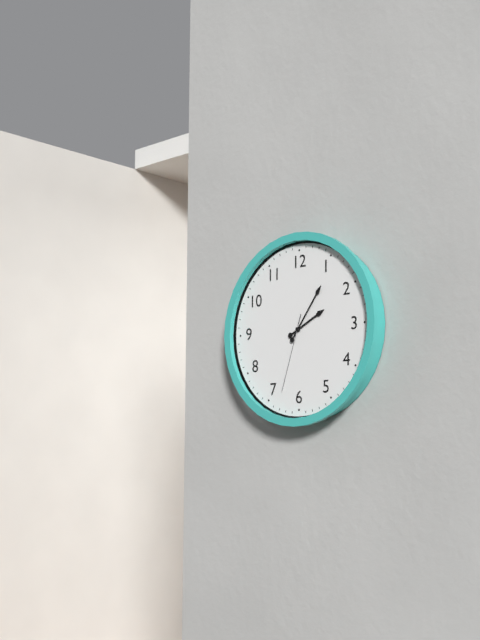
2:06:33
